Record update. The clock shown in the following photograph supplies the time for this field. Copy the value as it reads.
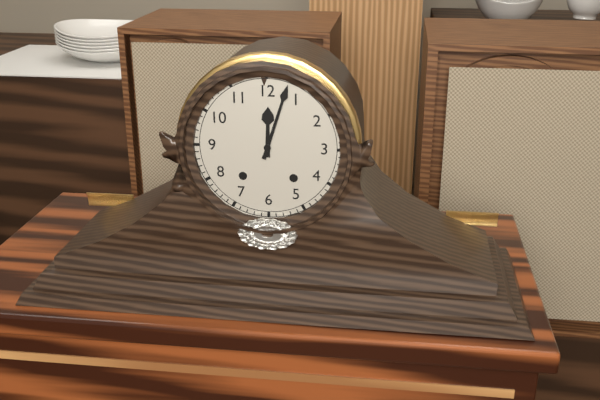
12:03
